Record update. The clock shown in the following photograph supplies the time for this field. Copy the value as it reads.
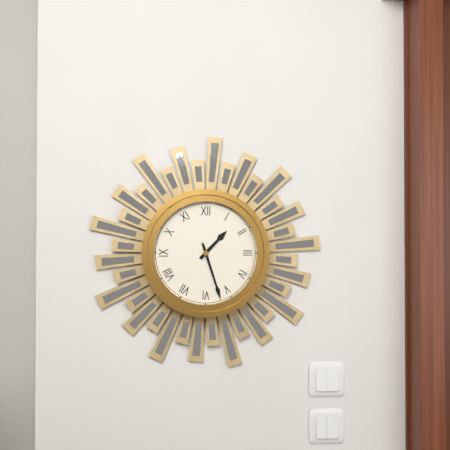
1:27
